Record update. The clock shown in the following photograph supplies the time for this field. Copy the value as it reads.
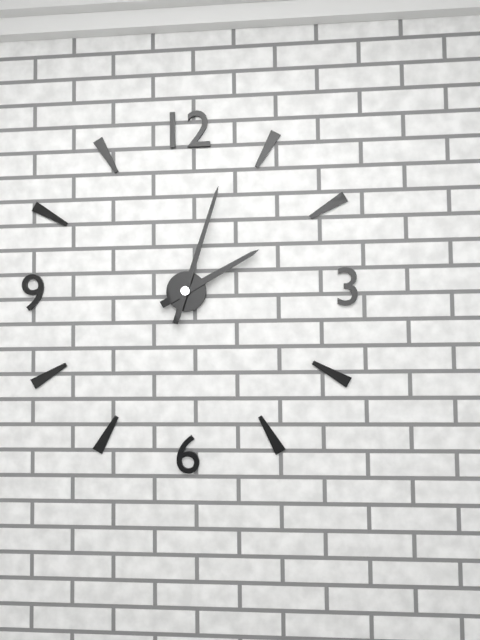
2:03
